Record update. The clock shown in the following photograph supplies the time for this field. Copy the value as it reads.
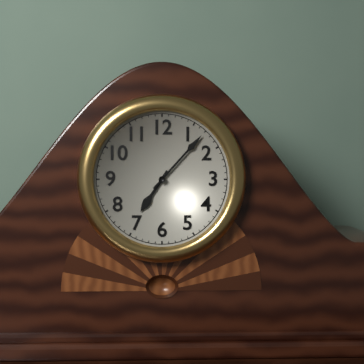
7:07
